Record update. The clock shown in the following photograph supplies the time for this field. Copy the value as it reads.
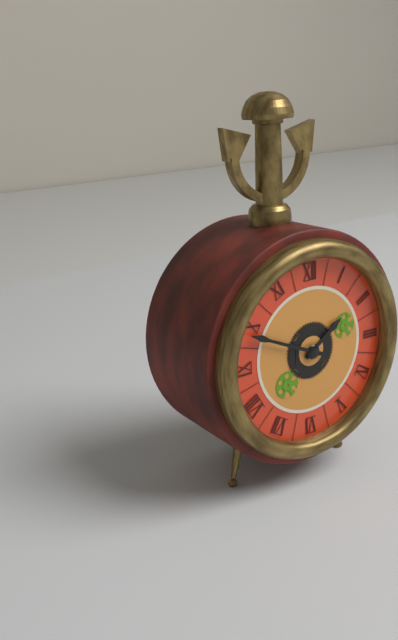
1:49
